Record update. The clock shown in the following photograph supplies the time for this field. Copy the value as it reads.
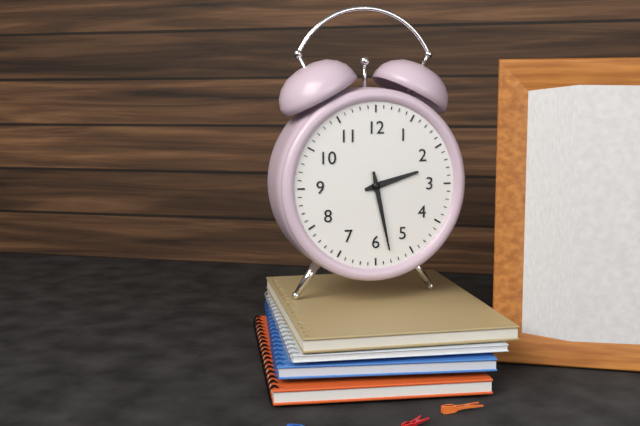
2:28
